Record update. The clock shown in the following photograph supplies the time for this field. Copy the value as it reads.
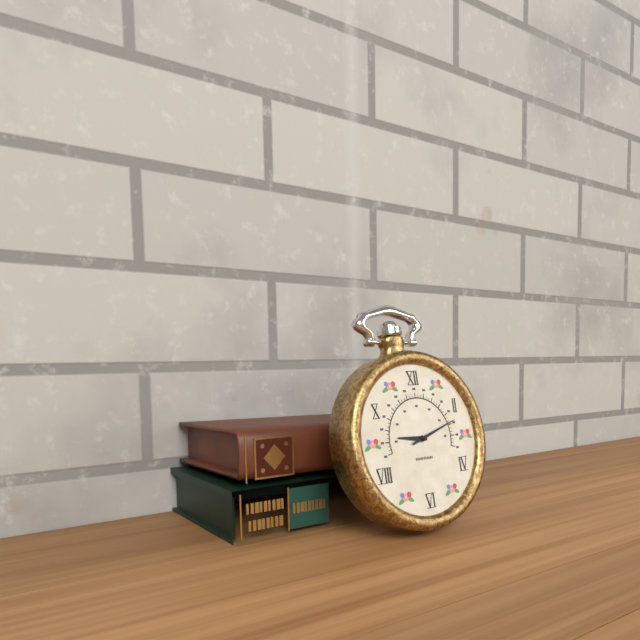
9:12
